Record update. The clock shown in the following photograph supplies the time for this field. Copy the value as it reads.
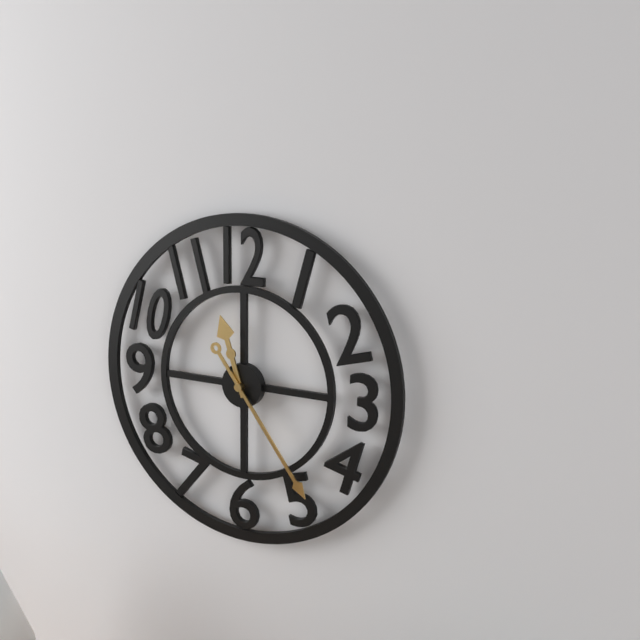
11:24
